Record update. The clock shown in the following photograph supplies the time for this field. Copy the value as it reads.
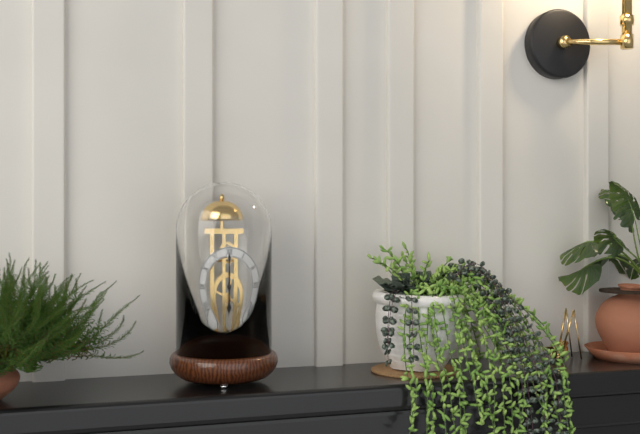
6:00
